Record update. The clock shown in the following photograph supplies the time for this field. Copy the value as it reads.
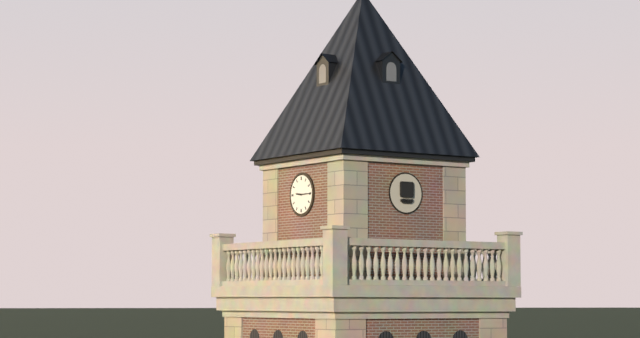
9:15
